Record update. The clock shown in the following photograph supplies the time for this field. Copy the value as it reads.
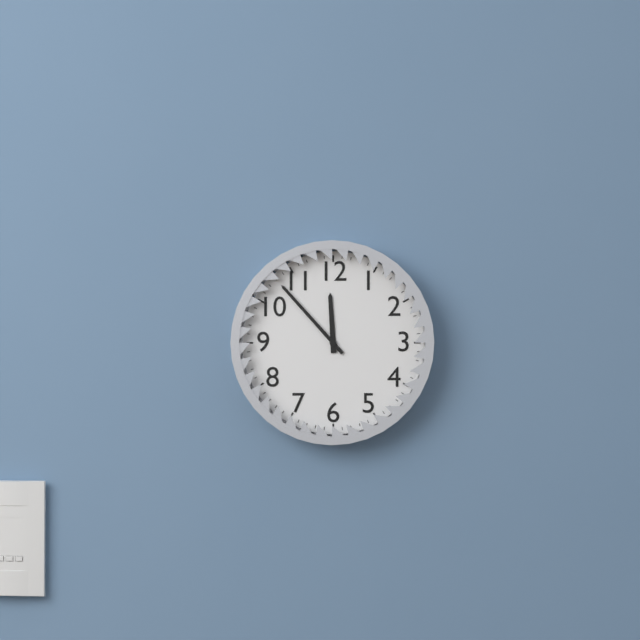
11:53
